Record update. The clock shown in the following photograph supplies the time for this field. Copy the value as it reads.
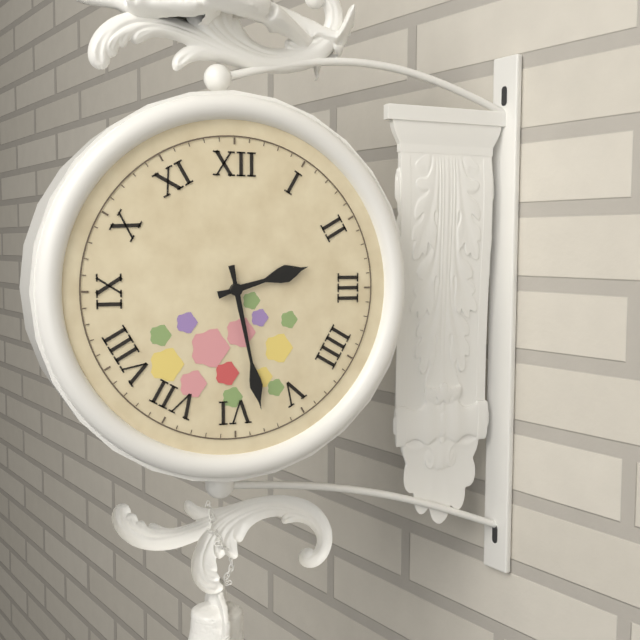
2:28
